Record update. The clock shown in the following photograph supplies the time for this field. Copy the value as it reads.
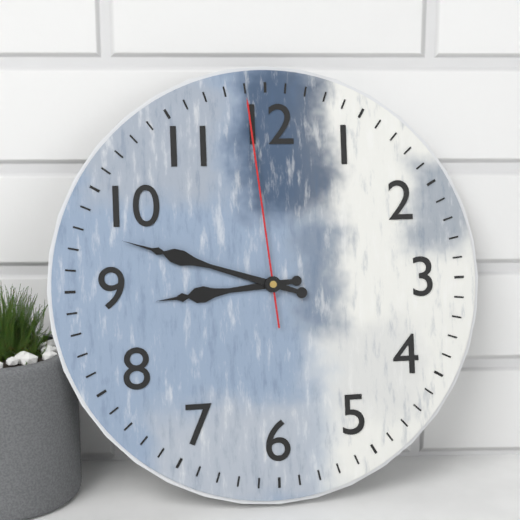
8:48:59
